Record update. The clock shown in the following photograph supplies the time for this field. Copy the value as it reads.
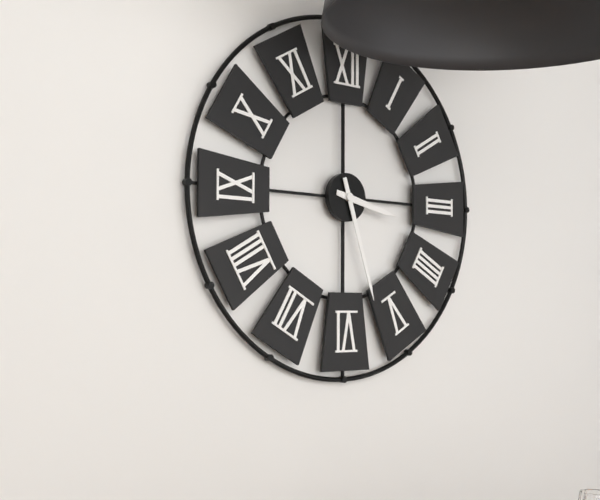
3:27
